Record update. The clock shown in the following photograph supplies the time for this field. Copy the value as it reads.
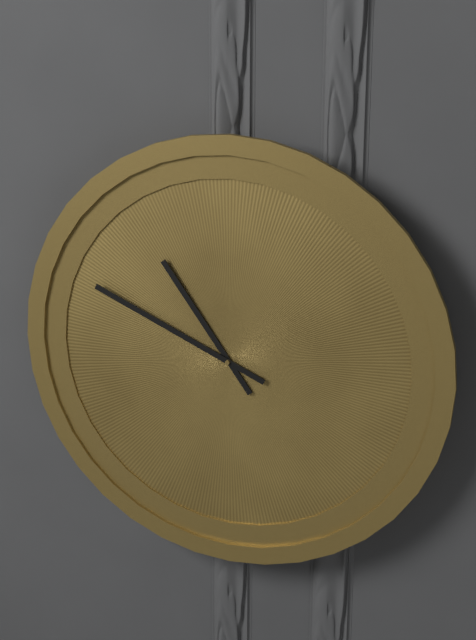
10:49
